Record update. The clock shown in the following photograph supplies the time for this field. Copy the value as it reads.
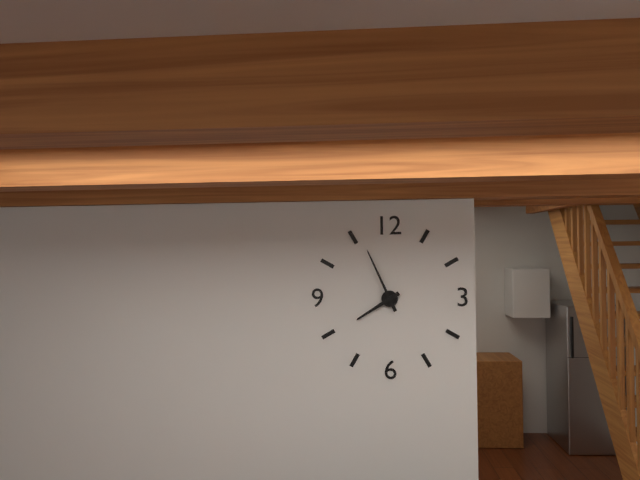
7:56
